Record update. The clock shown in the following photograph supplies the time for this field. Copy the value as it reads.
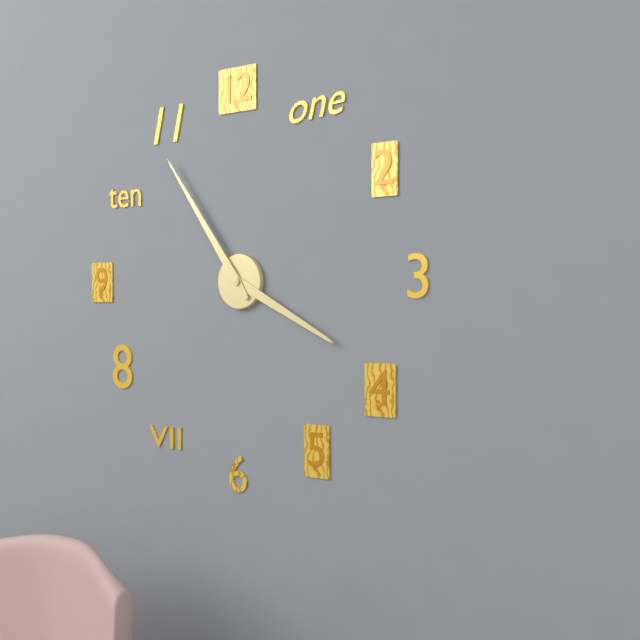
3:54
